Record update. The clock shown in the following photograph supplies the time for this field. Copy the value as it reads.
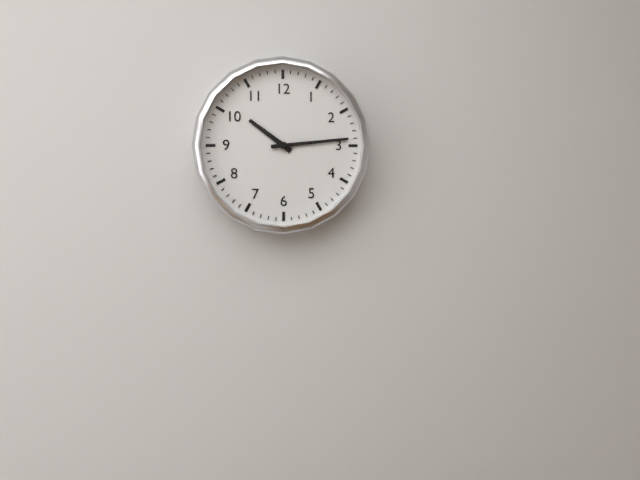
10:14
